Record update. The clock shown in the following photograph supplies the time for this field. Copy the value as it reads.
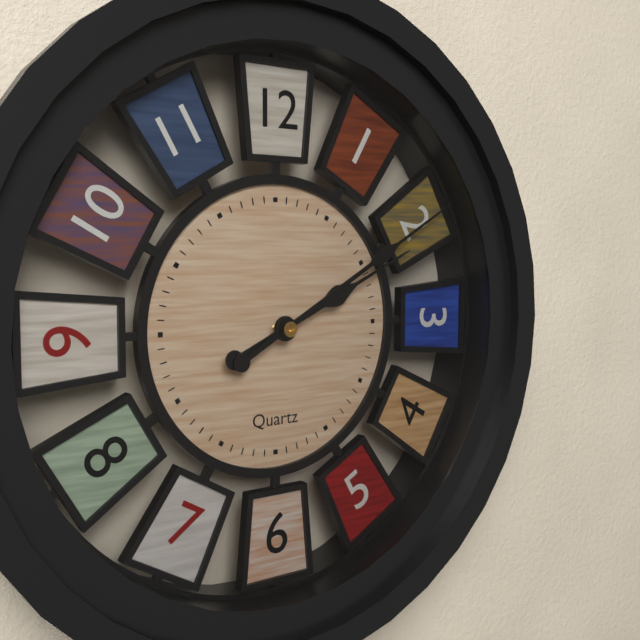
2:10
